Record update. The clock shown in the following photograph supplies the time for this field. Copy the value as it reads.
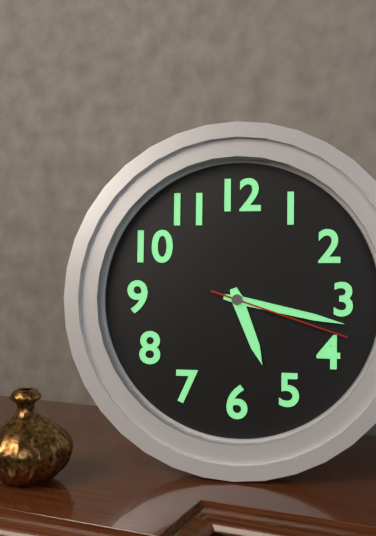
5:17:18
